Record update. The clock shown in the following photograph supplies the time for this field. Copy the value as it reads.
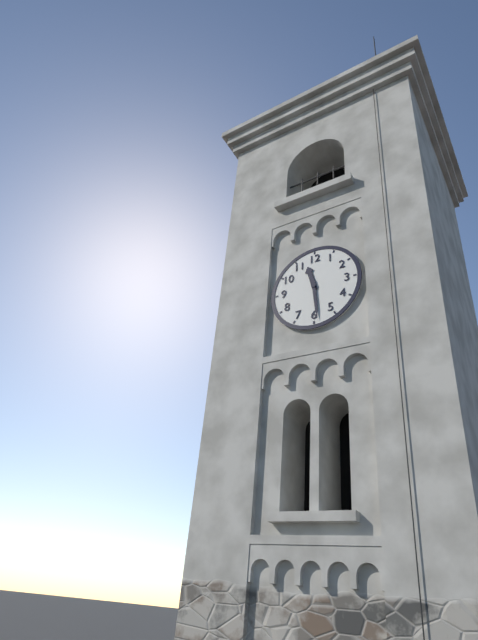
11:29
